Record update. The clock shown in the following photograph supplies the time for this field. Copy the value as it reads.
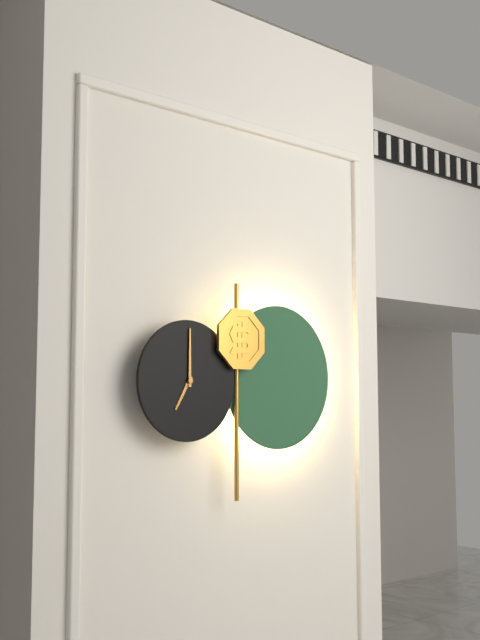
7:00
